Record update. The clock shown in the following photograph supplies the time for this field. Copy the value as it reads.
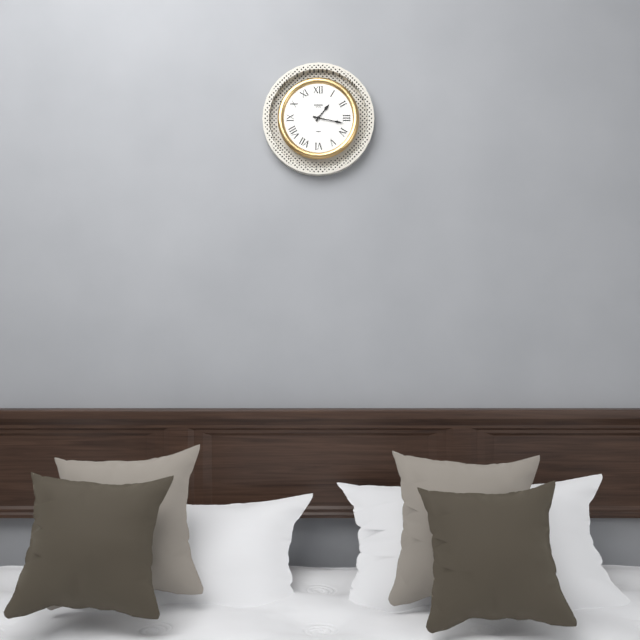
1:17
